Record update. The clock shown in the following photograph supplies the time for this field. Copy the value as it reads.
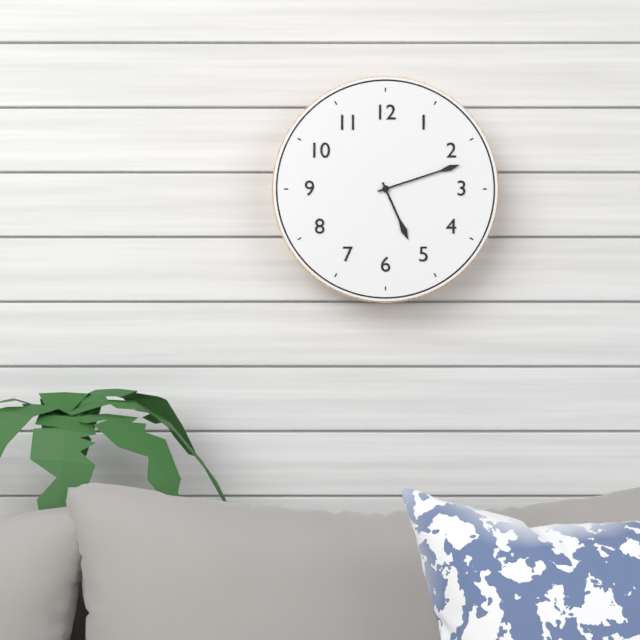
5:12
